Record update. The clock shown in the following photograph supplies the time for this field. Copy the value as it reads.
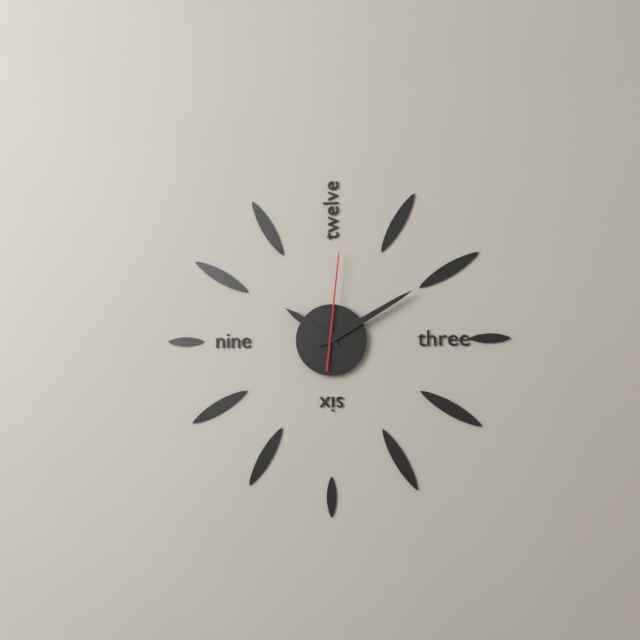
10:10:01
